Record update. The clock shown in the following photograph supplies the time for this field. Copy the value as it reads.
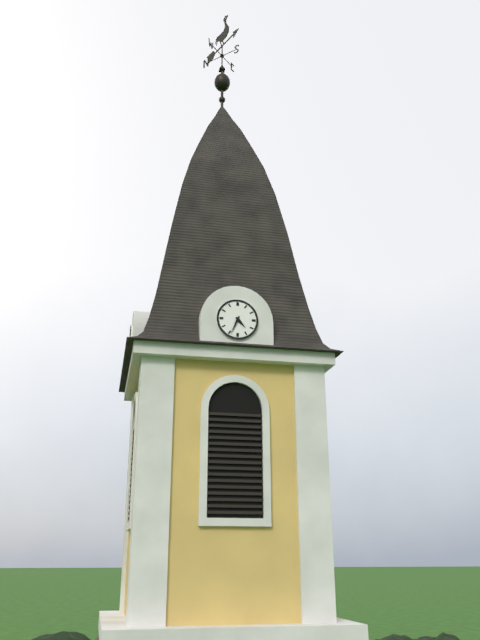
4:34
